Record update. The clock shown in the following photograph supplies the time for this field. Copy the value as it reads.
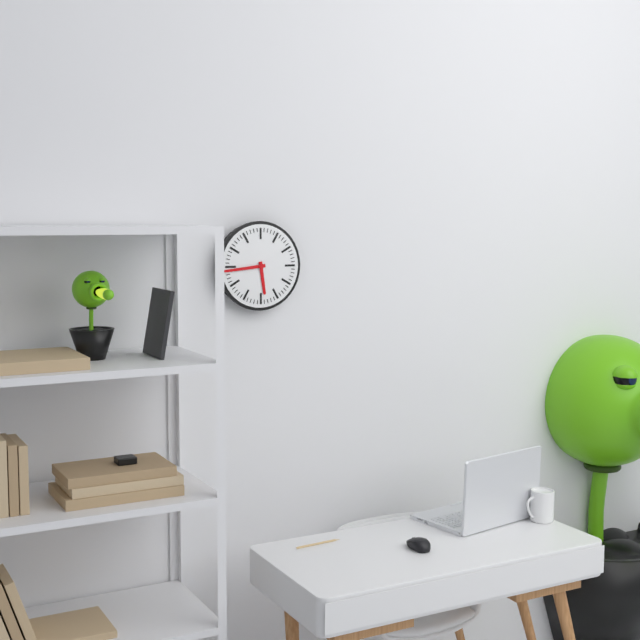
5:44
